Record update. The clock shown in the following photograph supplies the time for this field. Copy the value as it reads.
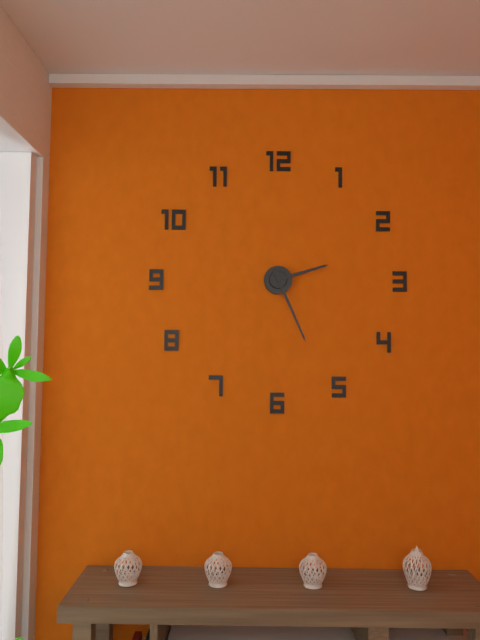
2:26
